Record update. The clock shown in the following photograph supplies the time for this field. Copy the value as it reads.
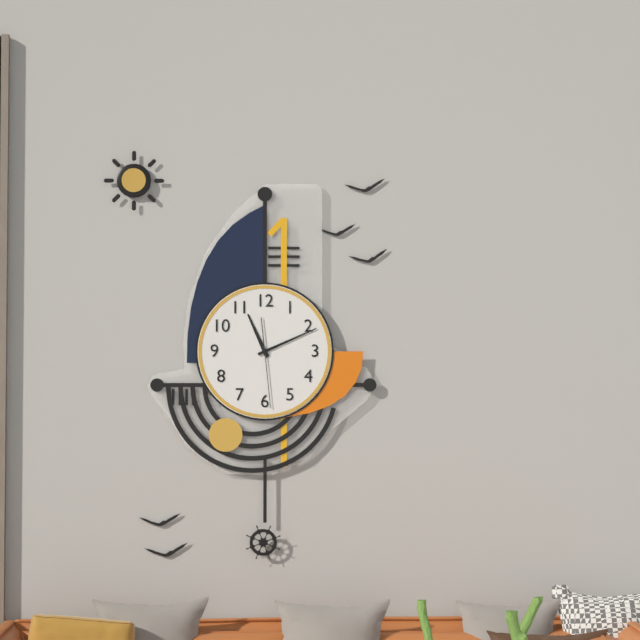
11:11:29
